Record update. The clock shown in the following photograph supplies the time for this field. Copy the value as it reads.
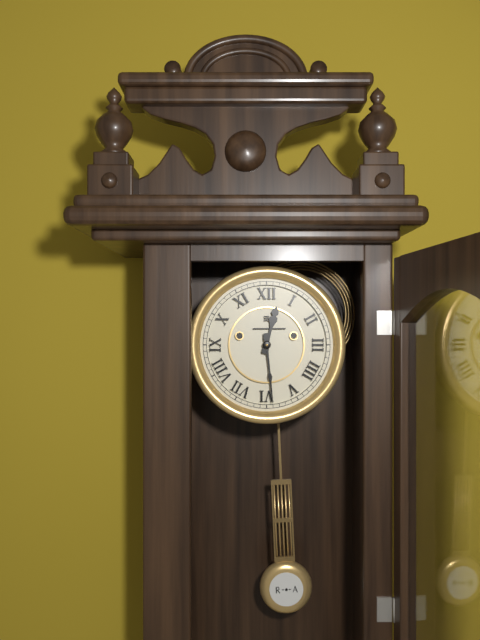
12:29
